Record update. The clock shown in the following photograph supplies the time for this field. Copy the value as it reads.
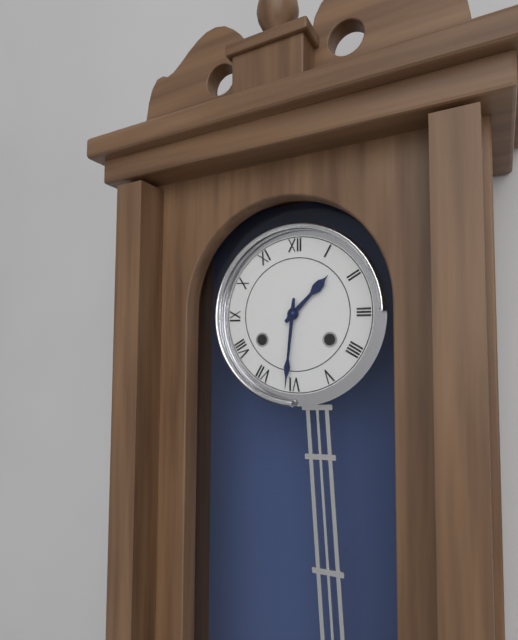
1:31
